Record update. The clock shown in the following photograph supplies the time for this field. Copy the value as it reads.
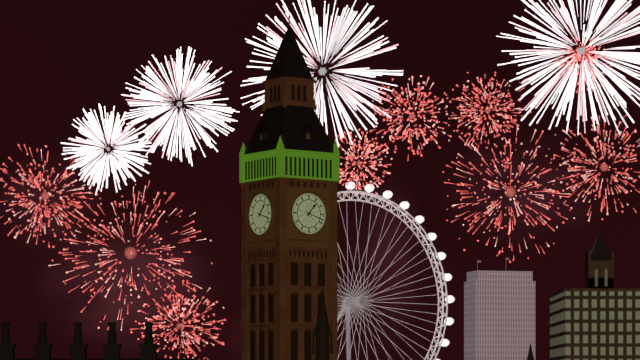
1:18
